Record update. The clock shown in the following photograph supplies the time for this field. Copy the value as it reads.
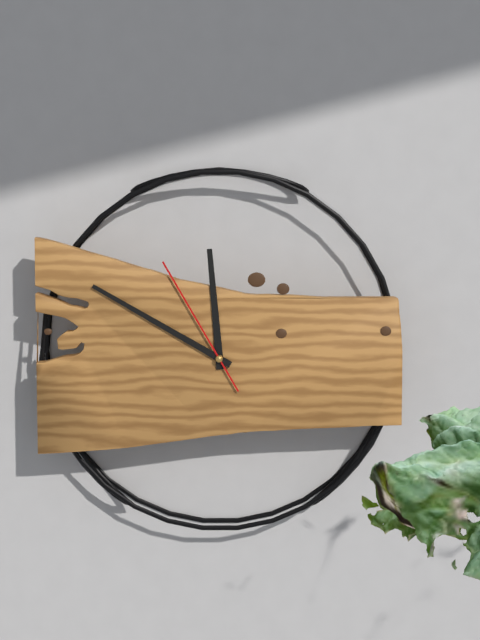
11:50:55
